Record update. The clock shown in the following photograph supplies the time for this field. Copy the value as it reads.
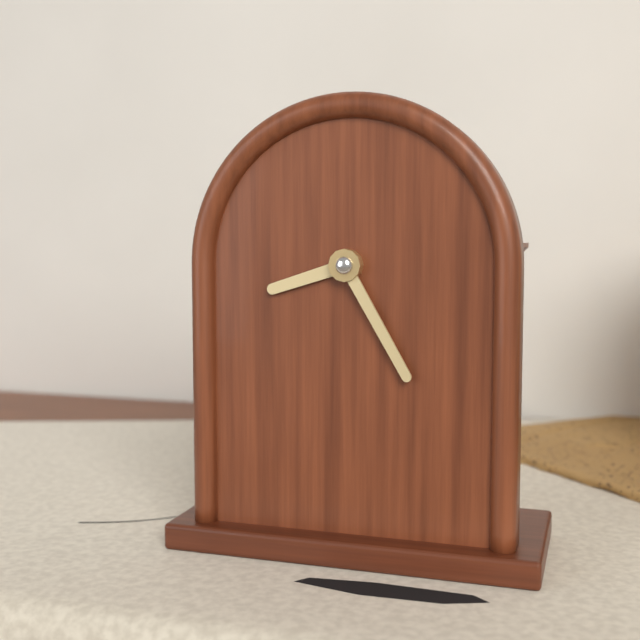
8:25
